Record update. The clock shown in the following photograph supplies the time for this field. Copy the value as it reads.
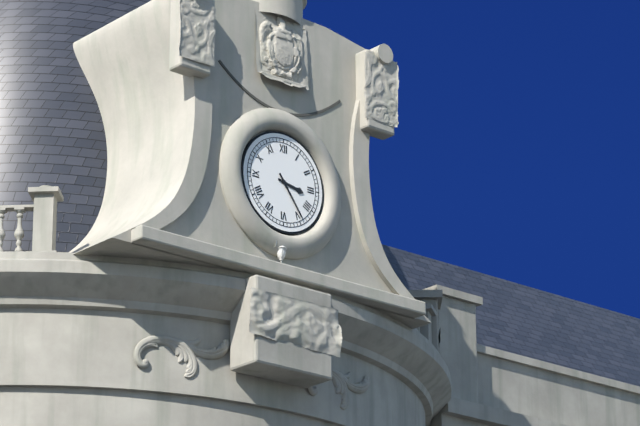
3:24
